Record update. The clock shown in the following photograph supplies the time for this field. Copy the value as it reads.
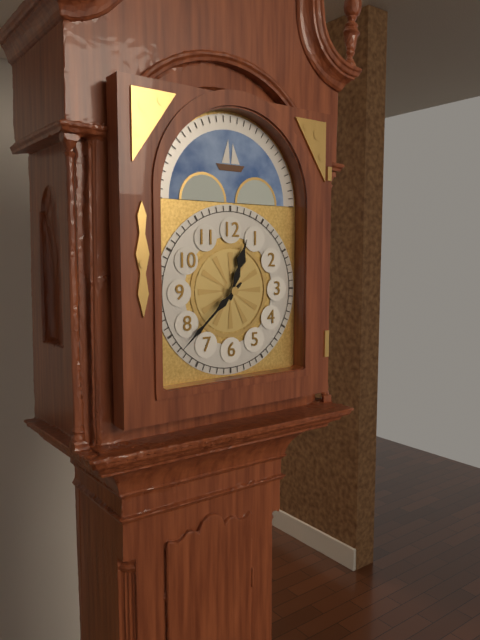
12:38
